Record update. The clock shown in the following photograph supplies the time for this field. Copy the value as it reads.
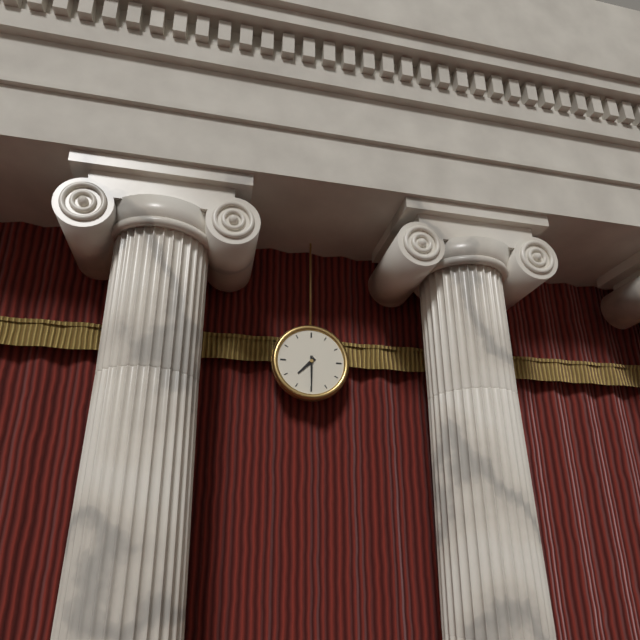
7:30
